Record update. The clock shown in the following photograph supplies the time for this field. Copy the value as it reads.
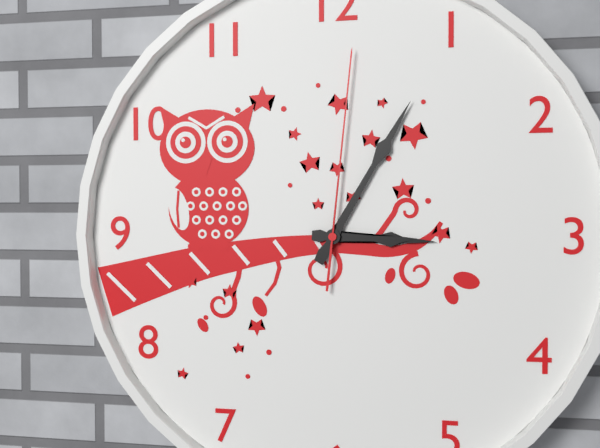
3:05:01
